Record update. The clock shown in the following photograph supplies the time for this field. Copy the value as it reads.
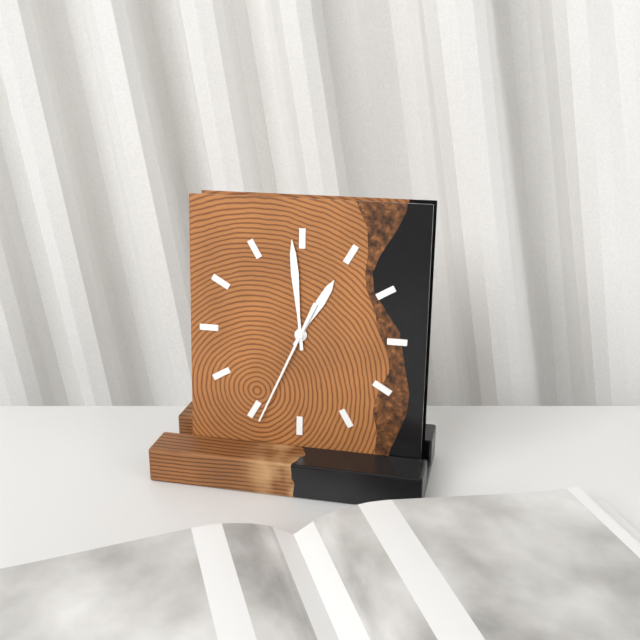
12:59:34
